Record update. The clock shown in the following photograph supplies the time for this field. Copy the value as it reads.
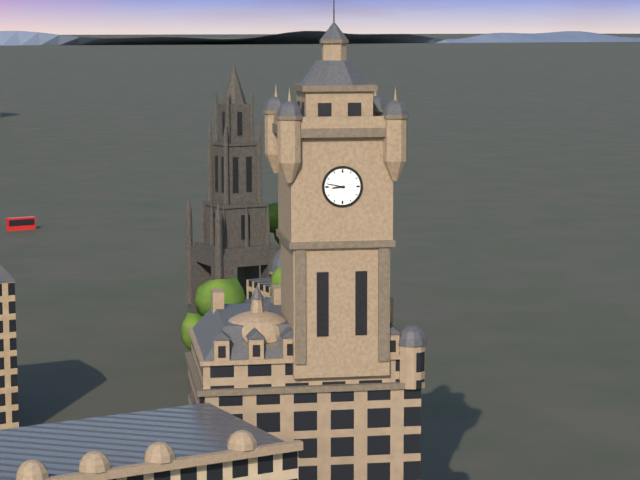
8:47
